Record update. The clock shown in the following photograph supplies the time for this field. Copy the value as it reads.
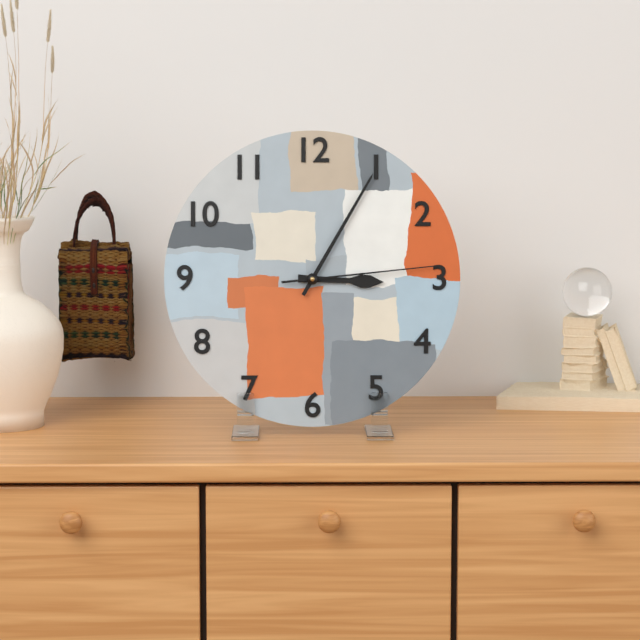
3:05:14
